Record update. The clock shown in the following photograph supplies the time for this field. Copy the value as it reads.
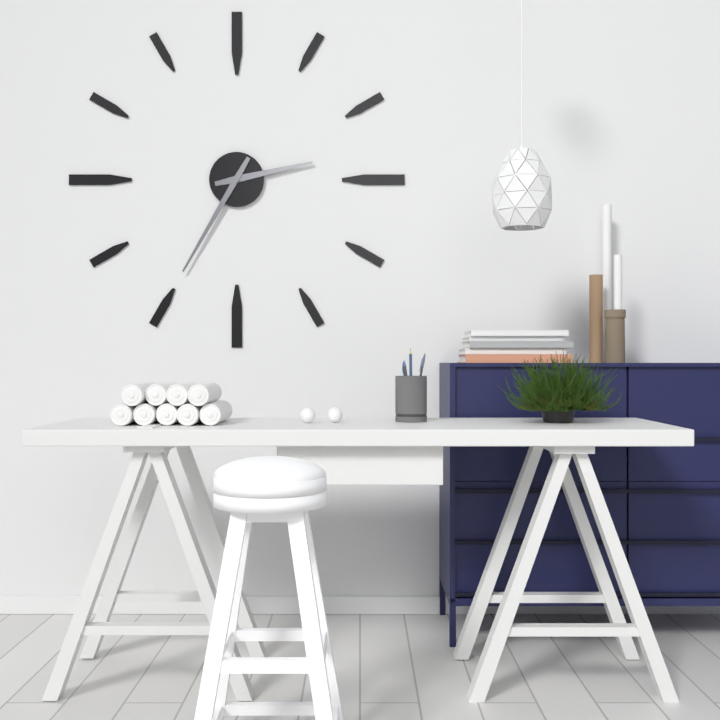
2:35
